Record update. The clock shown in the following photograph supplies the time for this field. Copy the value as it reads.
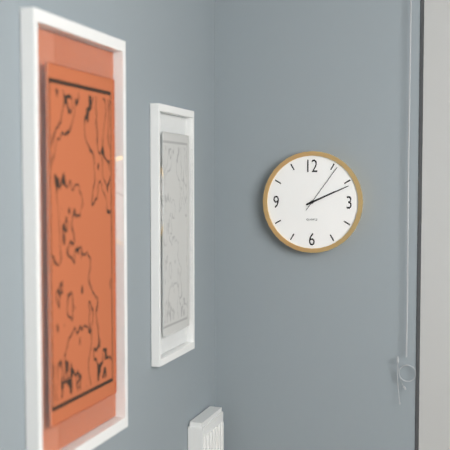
2:11:06
